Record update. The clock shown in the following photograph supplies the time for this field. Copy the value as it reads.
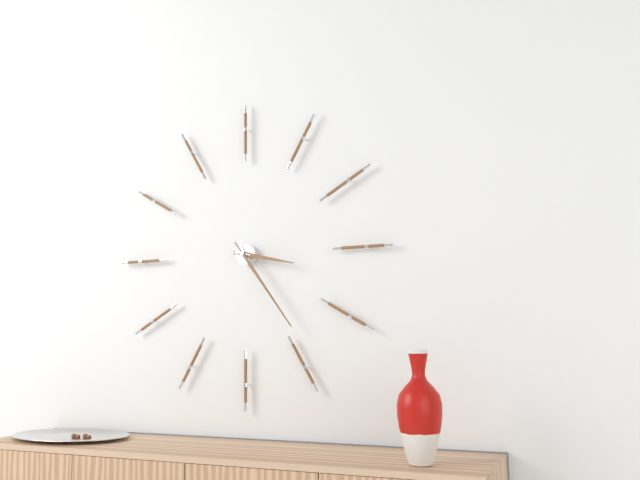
3:24
